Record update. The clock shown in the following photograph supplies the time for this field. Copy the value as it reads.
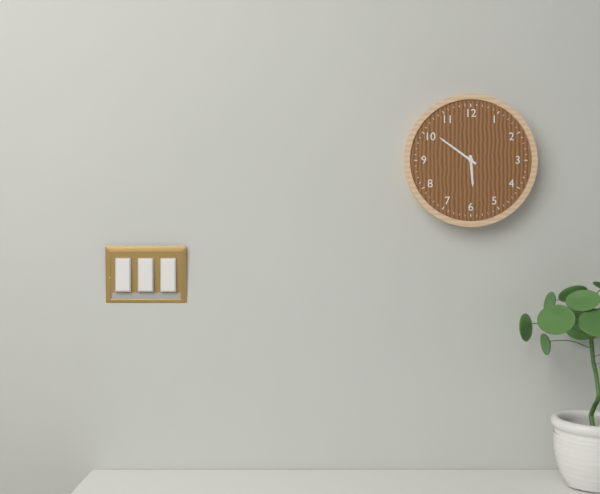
5:51
